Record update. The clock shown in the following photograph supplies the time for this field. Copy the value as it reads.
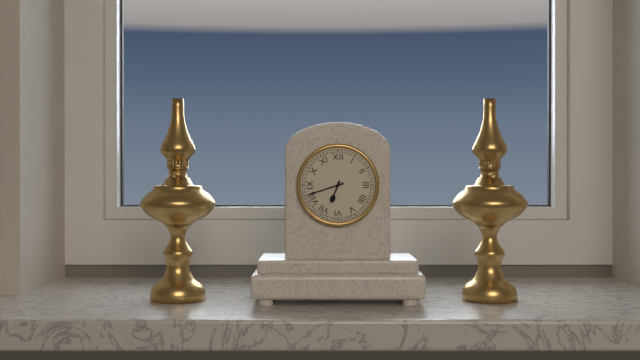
6:42
